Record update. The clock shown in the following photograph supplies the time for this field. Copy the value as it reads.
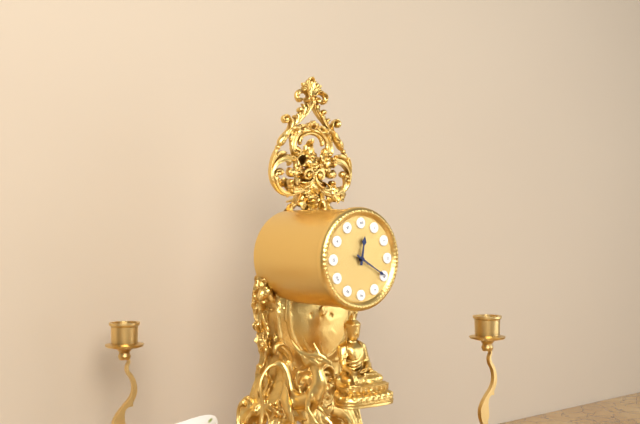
12:20
